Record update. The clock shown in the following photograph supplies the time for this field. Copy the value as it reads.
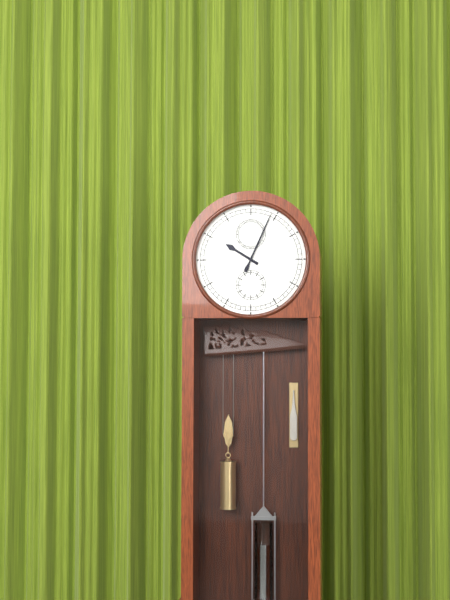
10:04
